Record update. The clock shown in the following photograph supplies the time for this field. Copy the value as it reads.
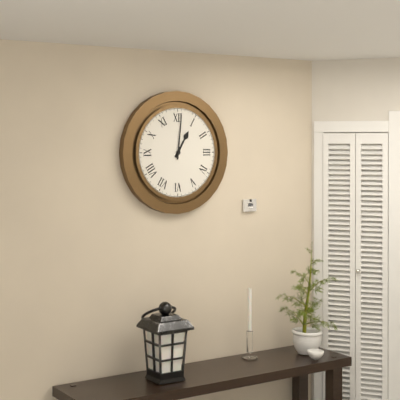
1:01
